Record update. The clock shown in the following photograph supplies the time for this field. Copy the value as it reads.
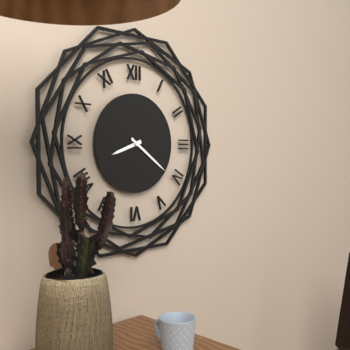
8:21
